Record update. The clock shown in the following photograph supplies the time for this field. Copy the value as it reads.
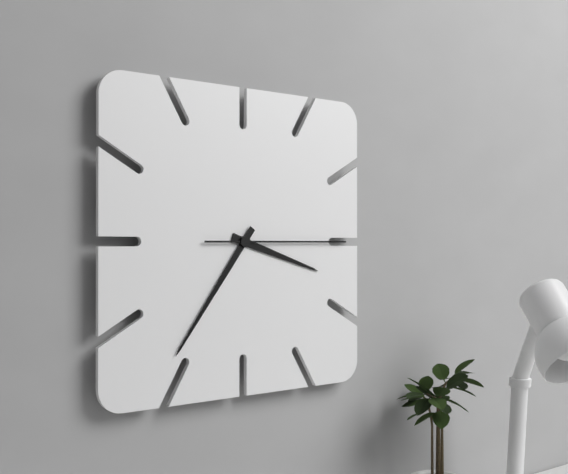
3:36:15
